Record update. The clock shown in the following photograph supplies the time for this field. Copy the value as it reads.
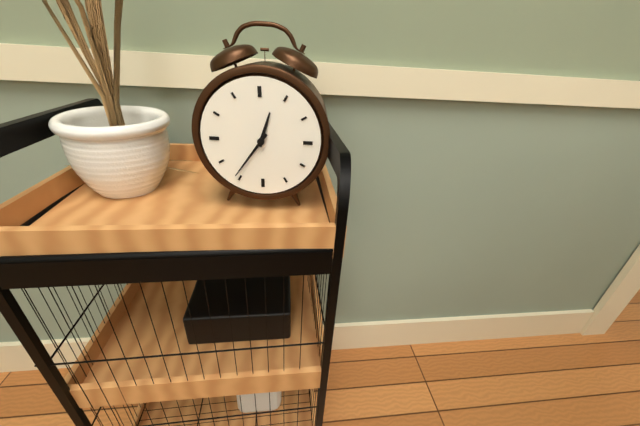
12:36
